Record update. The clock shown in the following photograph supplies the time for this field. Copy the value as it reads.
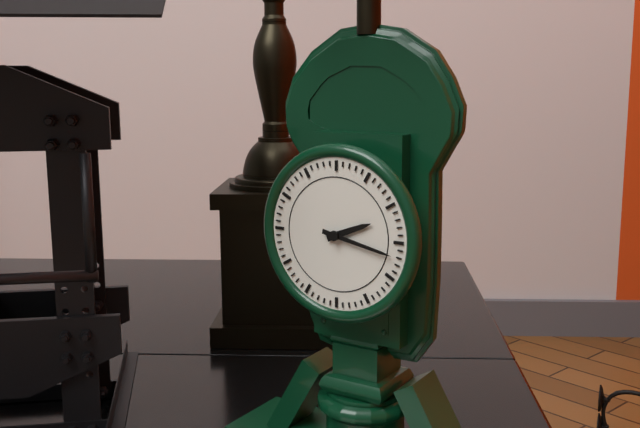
2:17
